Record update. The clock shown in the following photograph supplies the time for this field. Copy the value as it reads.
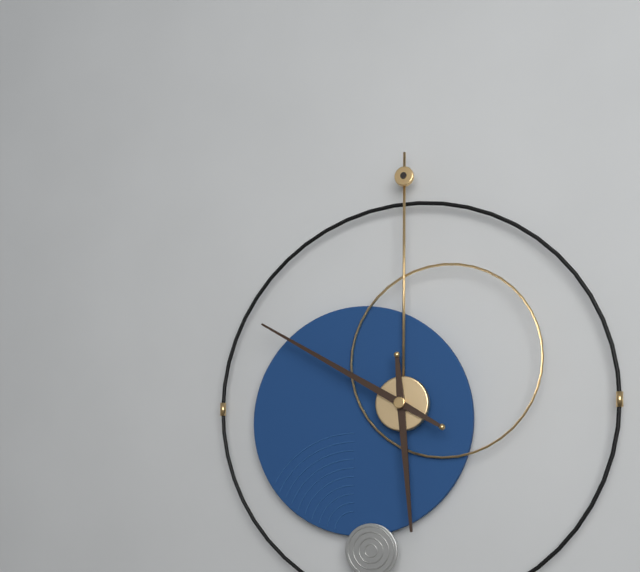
5:50
